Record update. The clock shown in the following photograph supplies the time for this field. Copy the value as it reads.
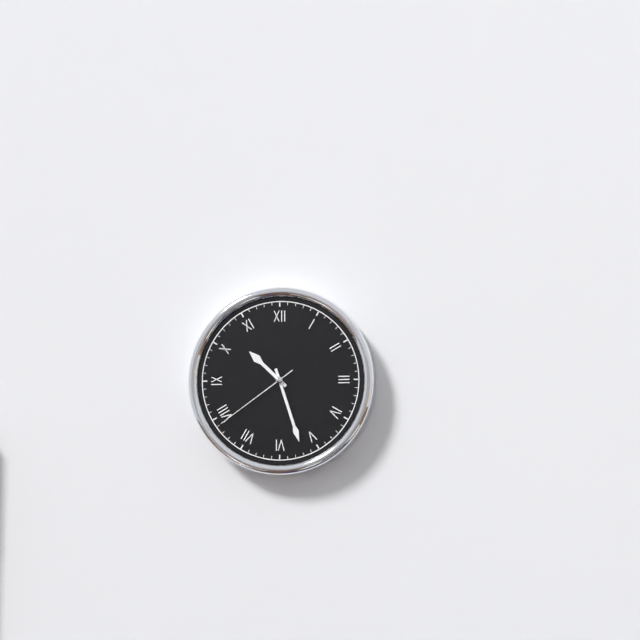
10:27:39
